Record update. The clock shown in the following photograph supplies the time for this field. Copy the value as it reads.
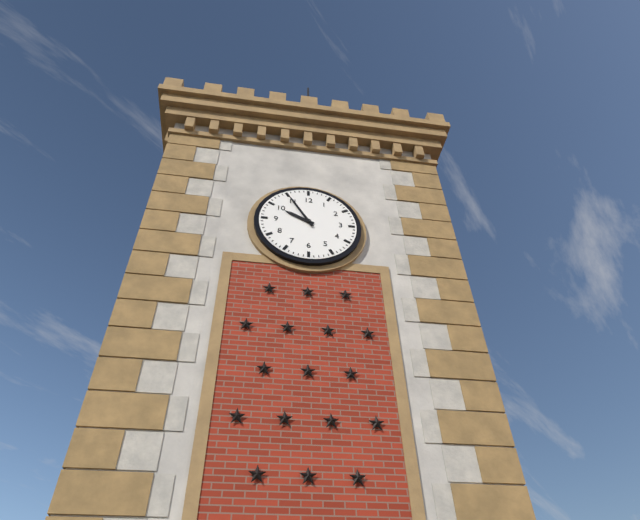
9:55
